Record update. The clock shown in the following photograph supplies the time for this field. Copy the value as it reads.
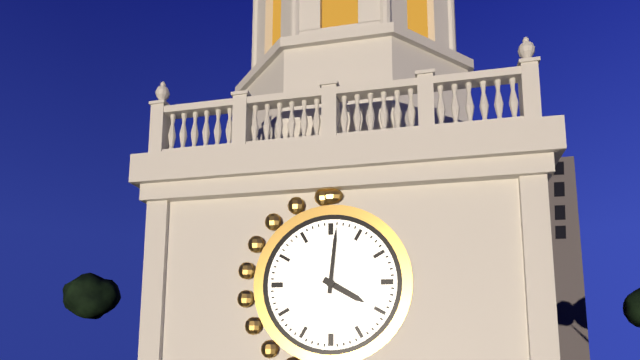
4:01
